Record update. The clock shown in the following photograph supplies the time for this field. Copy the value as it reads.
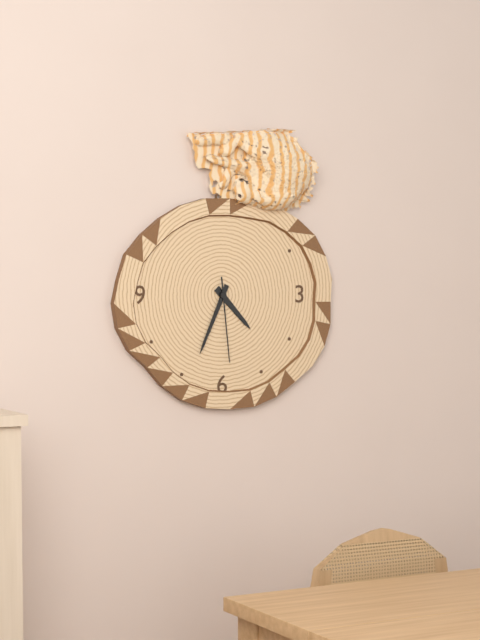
4:34:29
